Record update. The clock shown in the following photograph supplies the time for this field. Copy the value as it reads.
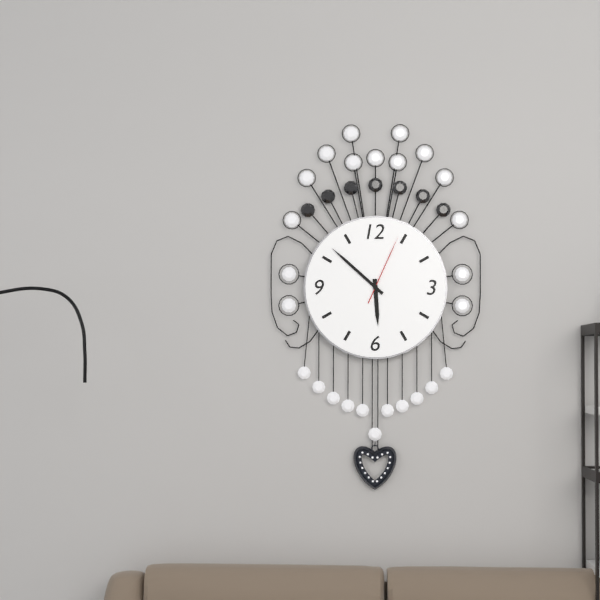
5:52:04
